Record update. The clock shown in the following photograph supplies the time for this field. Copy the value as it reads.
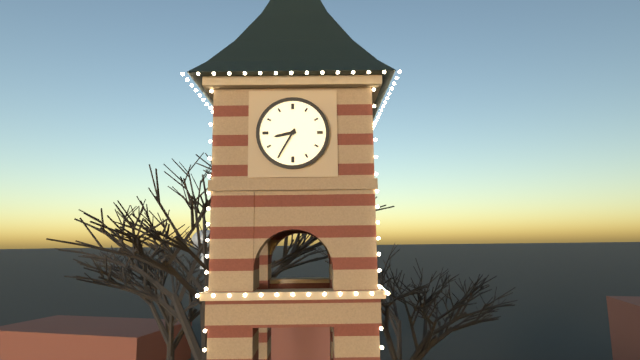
8:35
